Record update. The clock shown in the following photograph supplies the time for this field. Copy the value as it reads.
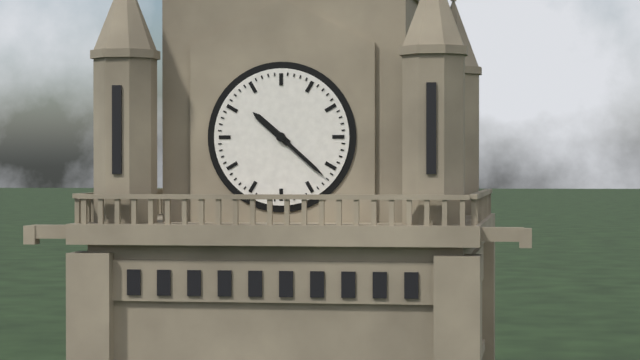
10:22
